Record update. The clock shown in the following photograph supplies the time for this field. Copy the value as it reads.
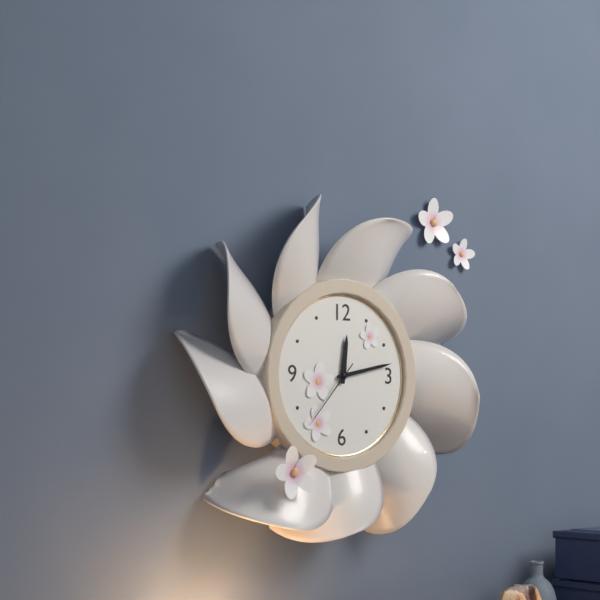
12:13:37
